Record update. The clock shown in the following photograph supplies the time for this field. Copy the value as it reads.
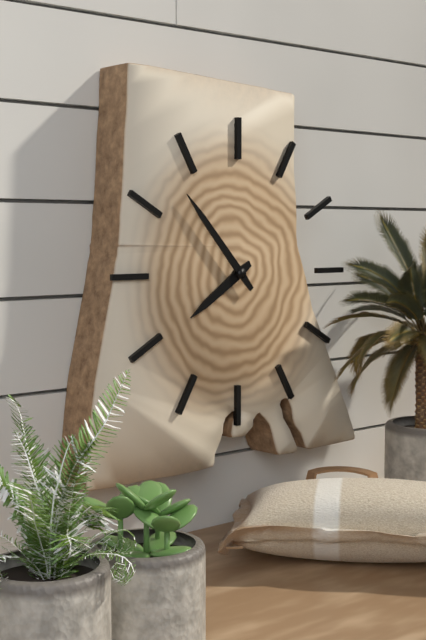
7:53
